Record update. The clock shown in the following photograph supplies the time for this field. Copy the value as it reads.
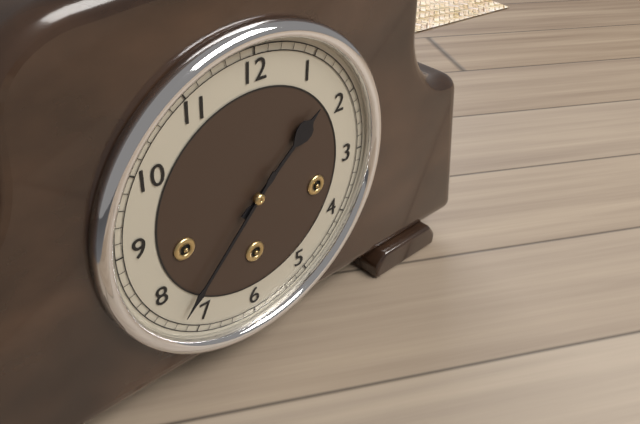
1:37
